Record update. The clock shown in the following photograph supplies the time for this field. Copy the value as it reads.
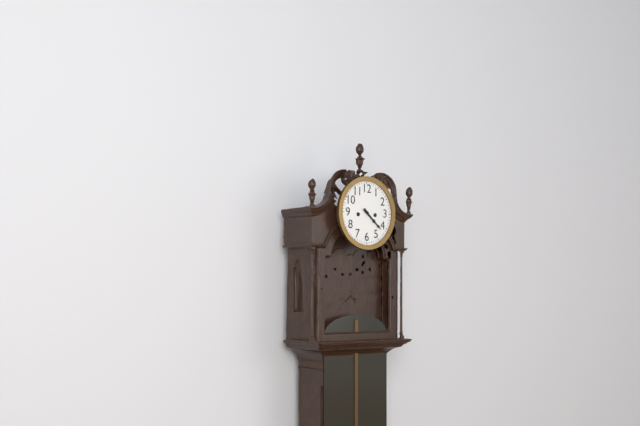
4:22
